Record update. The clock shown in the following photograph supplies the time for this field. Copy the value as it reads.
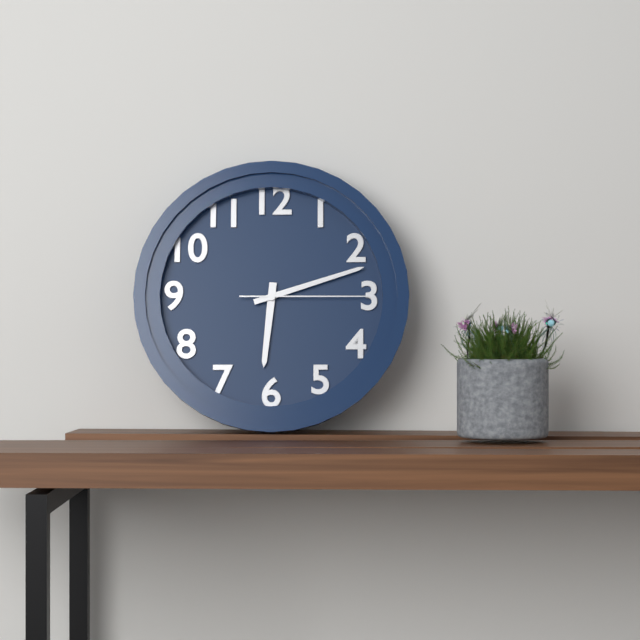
6:12:15
